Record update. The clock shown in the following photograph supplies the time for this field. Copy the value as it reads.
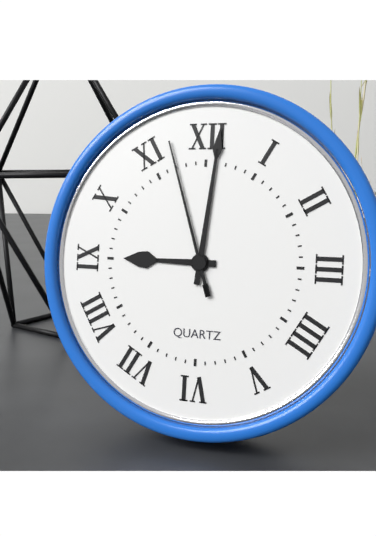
9:01:57
